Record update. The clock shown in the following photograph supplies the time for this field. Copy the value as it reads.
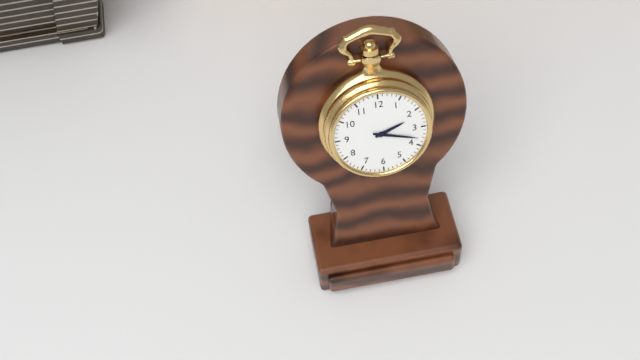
2:18
